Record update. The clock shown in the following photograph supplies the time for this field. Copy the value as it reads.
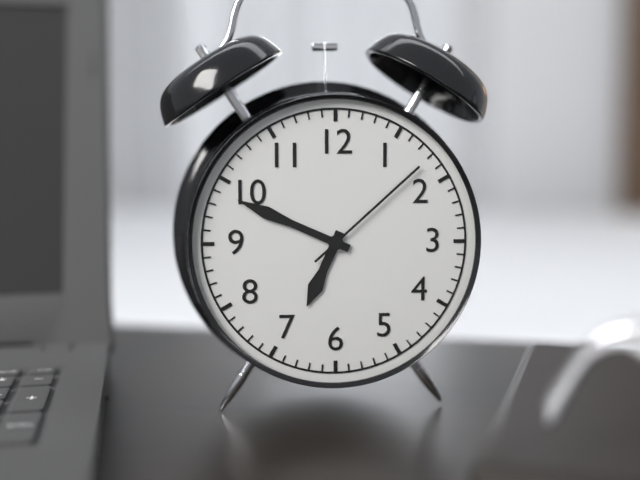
6:49:08
